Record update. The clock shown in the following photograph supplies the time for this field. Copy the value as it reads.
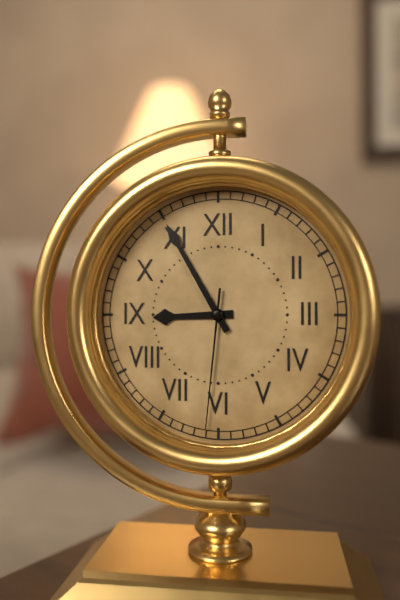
8:55:31
